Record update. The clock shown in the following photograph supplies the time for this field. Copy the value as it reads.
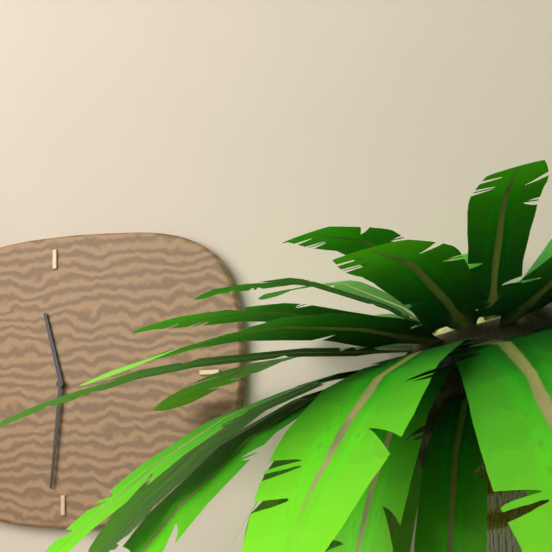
11:31
